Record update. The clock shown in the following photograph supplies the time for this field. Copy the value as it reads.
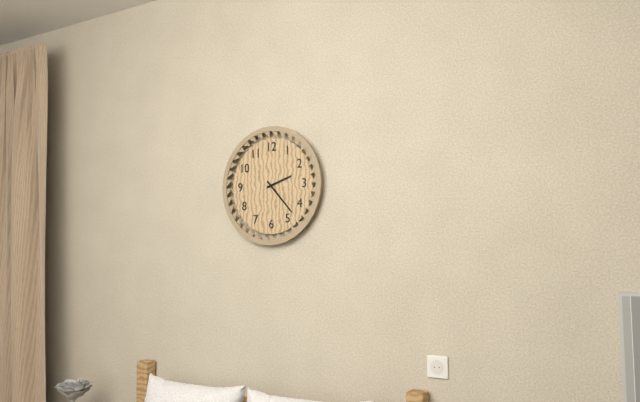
2:23
